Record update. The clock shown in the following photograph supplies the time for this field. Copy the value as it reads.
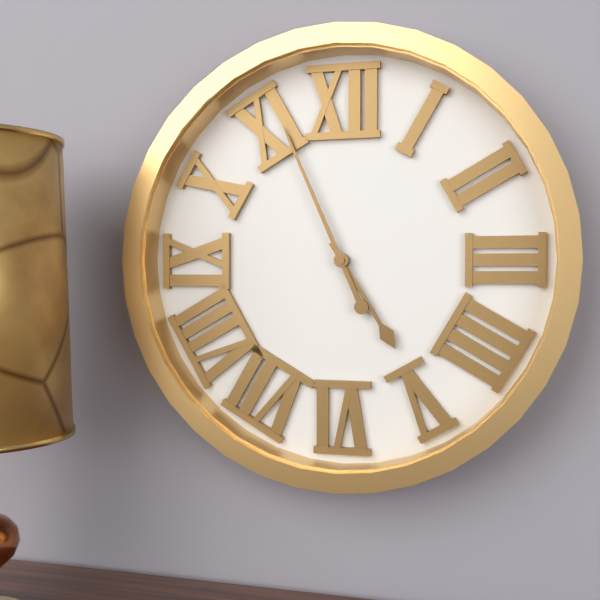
4:56
